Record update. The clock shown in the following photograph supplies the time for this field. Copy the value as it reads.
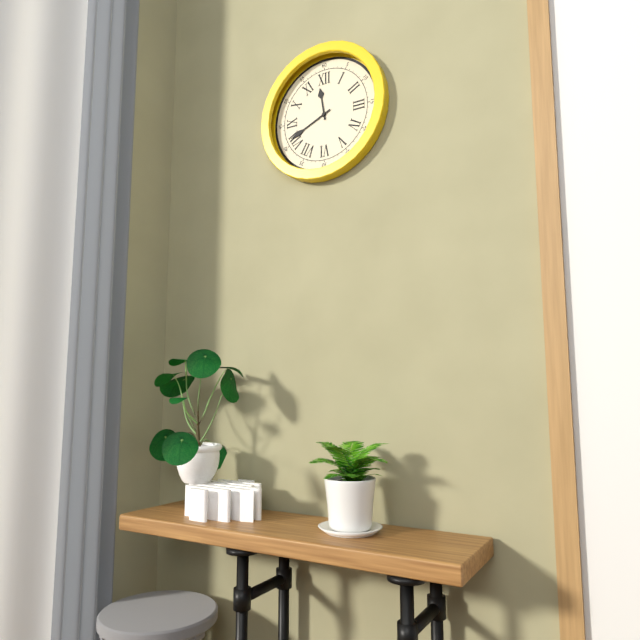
11:41
